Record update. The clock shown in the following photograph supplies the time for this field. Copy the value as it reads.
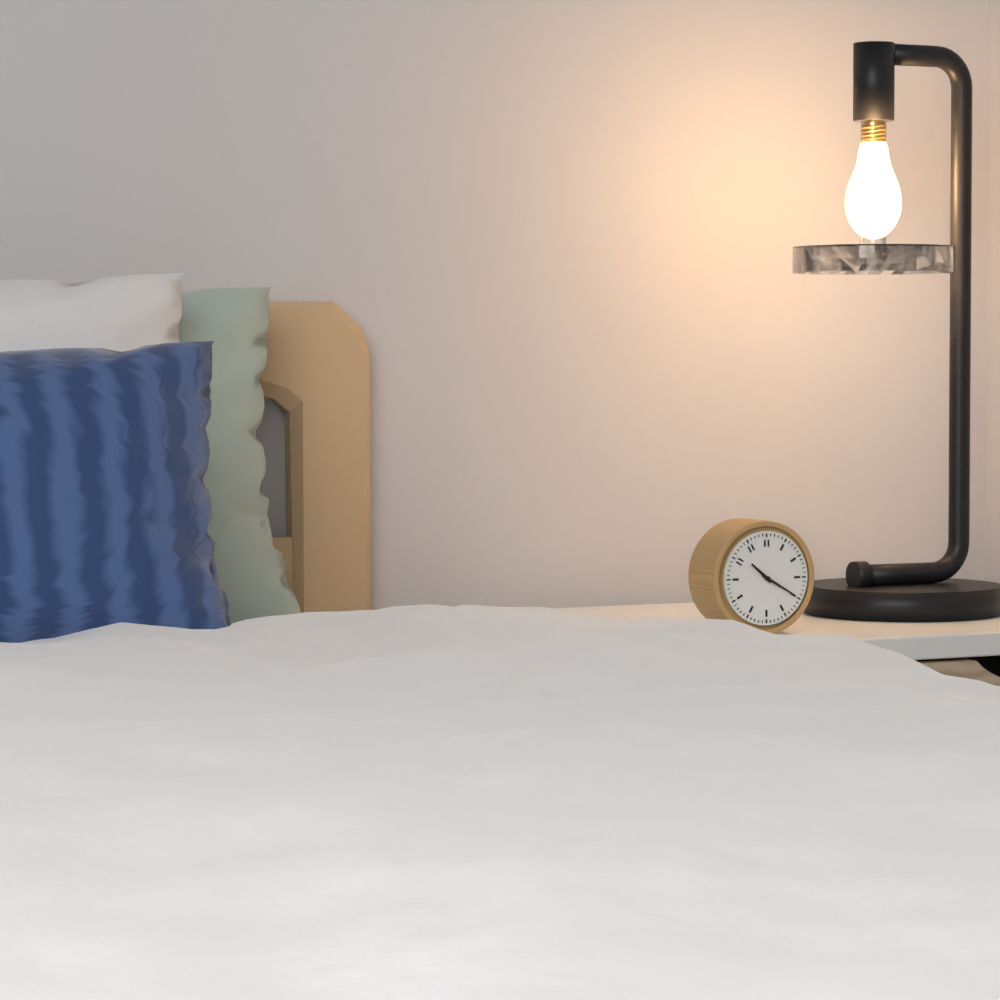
10:20
